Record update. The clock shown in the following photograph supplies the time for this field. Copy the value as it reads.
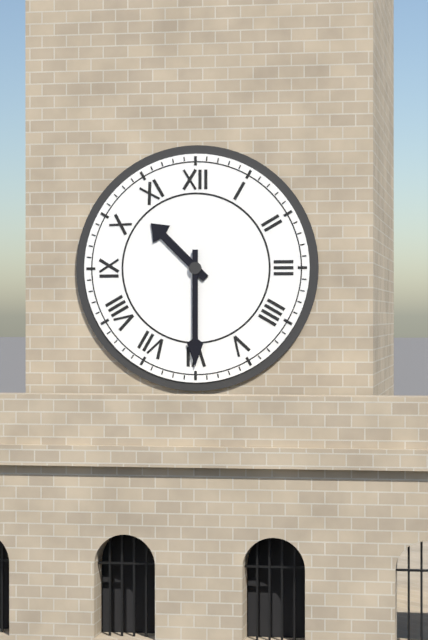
10:30
